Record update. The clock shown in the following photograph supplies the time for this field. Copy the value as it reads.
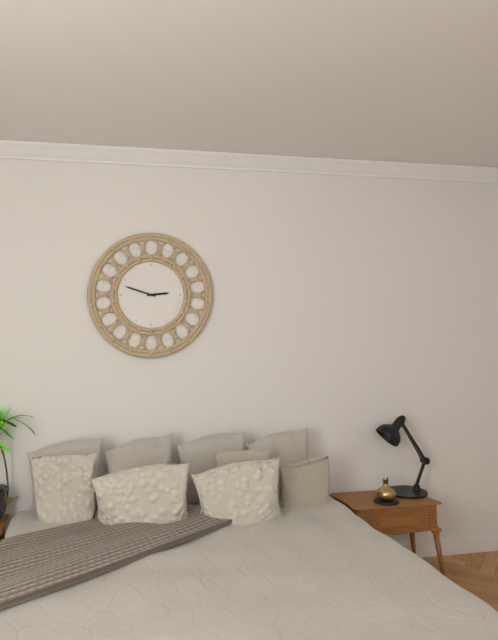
2:48
